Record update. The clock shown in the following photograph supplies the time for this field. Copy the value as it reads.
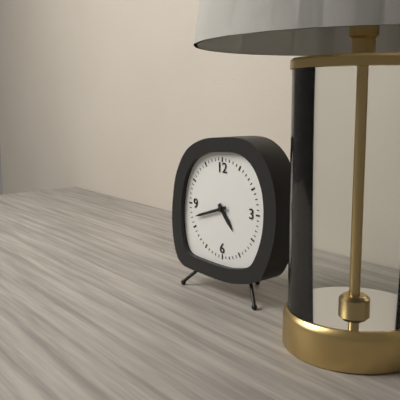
4:42
